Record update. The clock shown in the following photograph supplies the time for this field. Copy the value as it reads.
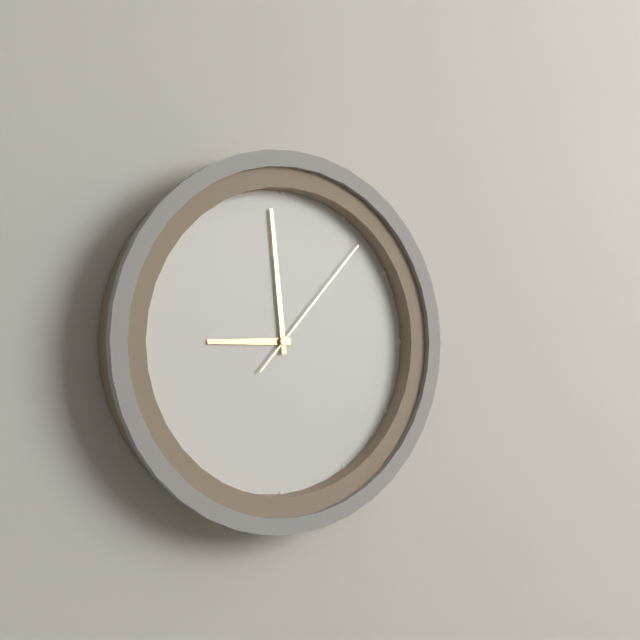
8:59:07
